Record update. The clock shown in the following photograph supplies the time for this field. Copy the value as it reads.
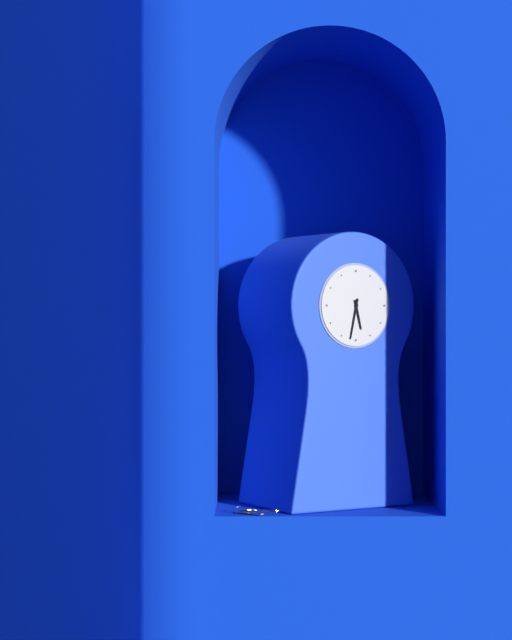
5:32
